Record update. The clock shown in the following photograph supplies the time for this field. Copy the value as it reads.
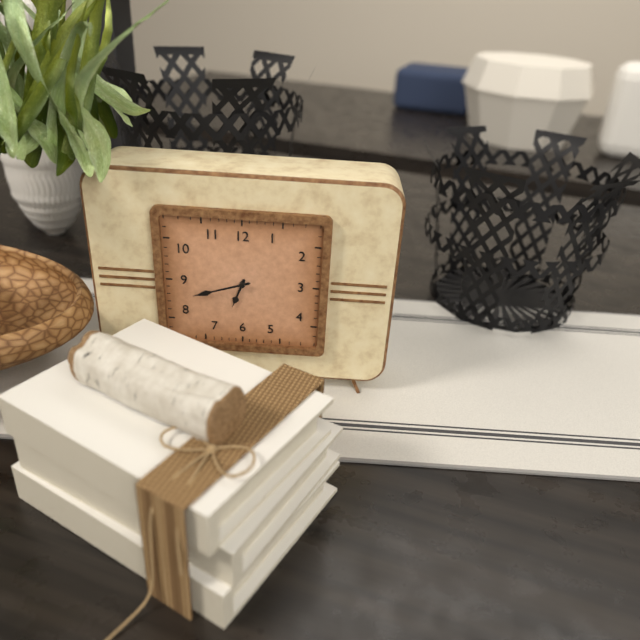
6:42
